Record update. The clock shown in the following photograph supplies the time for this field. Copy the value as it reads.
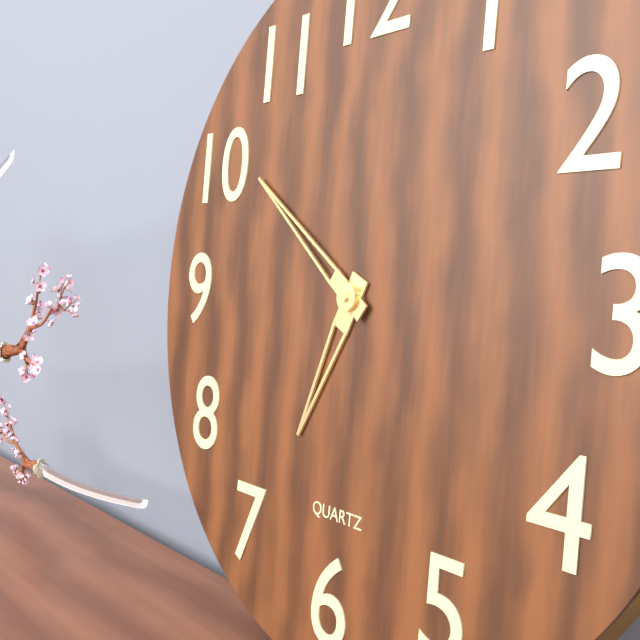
6:51
